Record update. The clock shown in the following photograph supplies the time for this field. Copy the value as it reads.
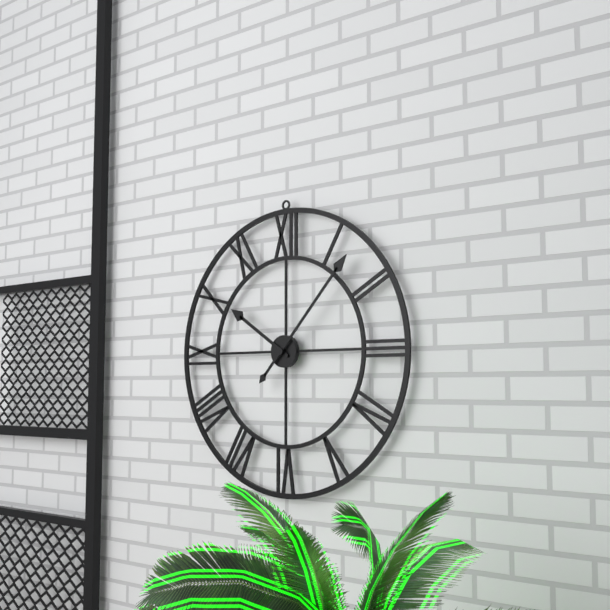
10:07
